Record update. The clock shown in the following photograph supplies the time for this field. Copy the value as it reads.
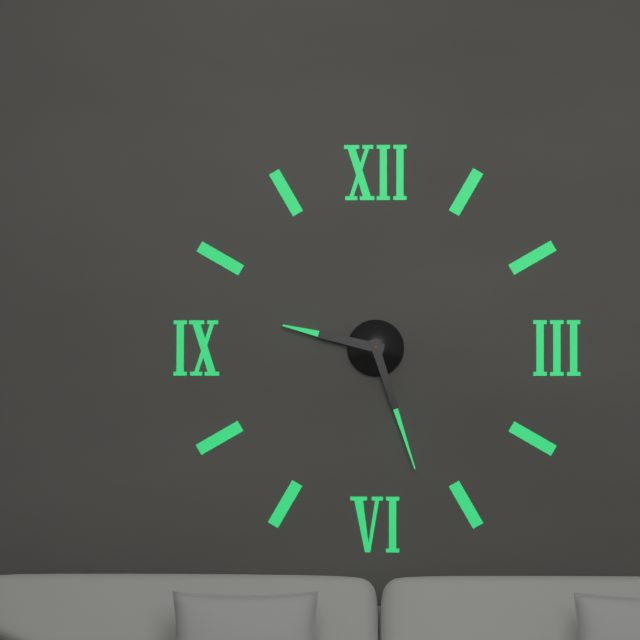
9:27
